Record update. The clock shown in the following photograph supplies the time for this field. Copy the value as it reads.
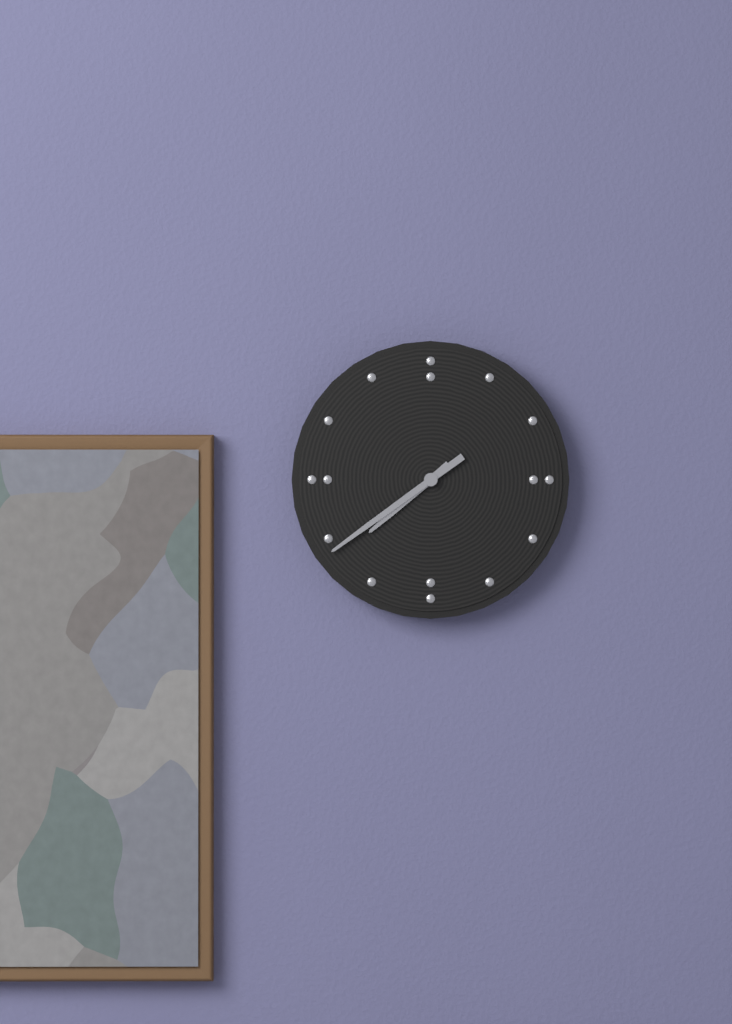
7:39
